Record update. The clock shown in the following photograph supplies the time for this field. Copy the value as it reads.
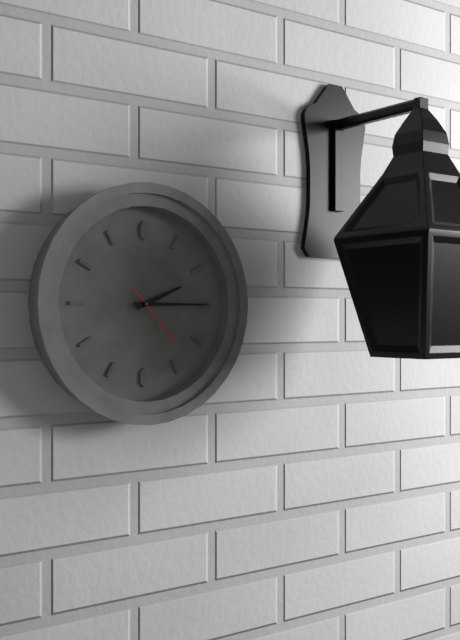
2:15:23
